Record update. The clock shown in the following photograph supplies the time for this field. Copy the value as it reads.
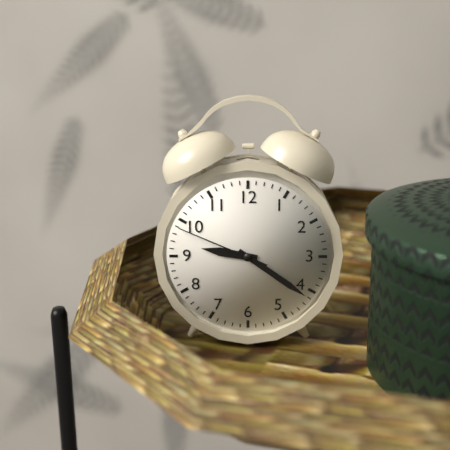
9:21:49
